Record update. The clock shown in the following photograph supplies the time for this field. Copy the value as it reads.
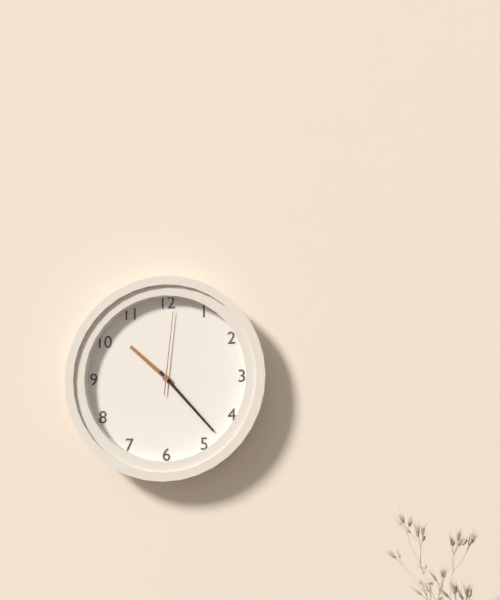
10:23:01
